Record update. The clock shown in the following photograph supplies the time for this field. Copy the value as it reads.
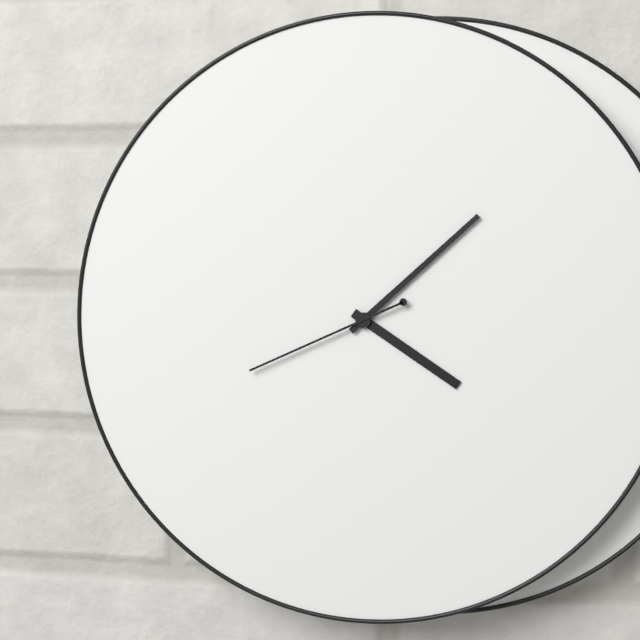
4:08:41
